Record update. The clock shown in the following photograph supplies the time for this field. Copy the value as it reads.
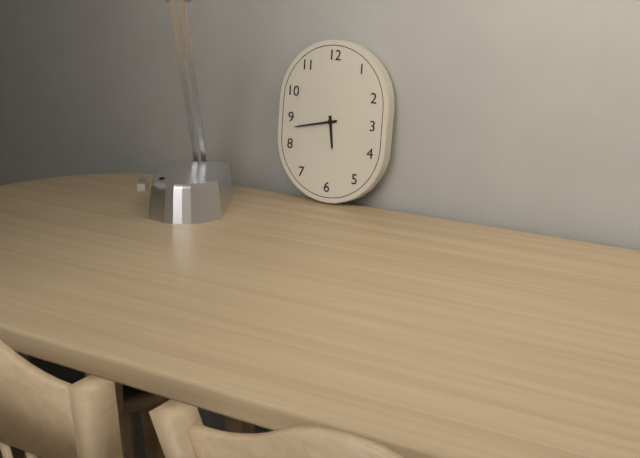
5:43
